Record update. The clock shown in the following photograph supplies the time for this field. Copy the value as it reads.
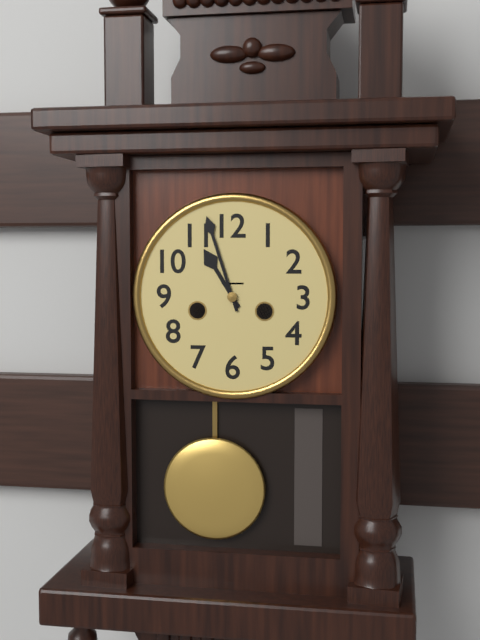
10:57
